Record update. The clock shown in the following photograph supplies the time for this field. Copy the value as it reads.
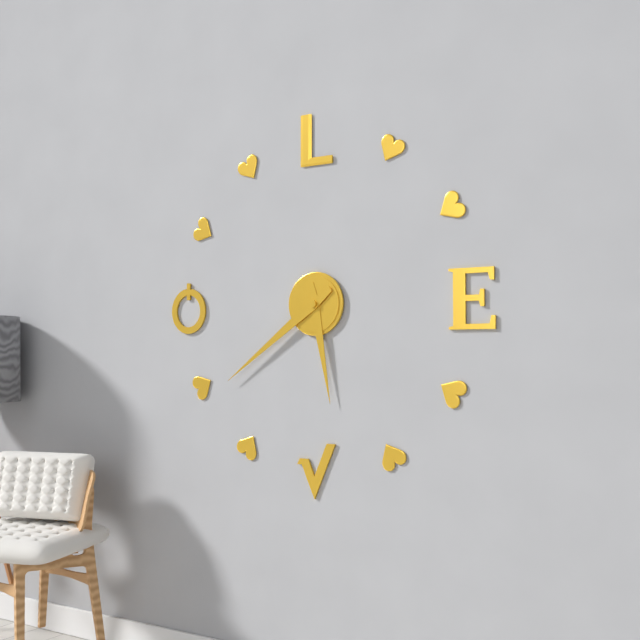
5:39
